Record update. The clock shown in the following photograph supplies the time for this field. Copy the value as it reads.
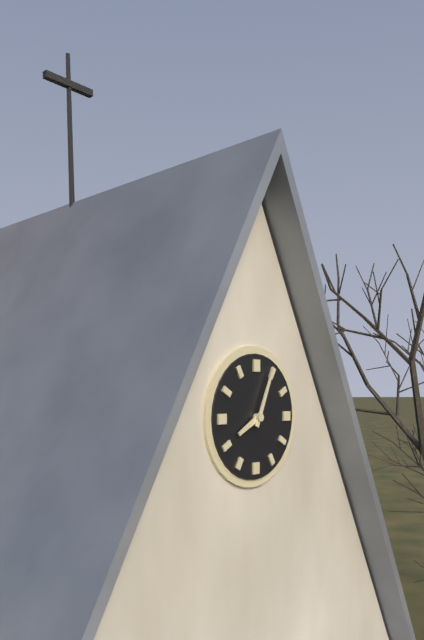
8:04
